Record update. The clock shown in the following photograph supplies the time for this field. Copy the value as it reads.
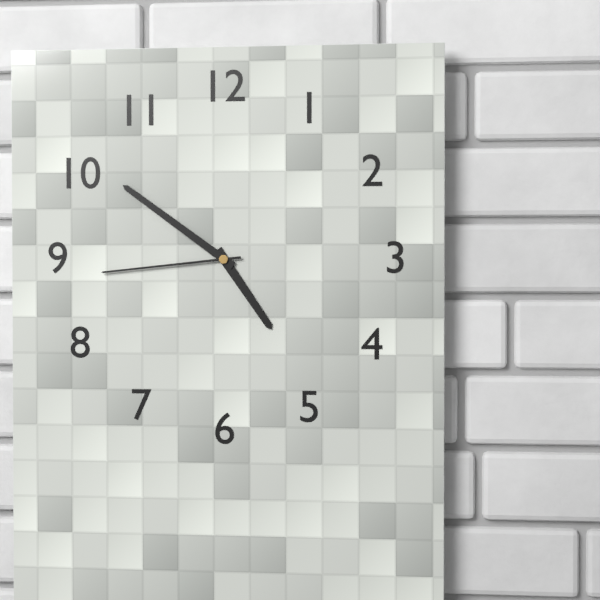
4:51:44
